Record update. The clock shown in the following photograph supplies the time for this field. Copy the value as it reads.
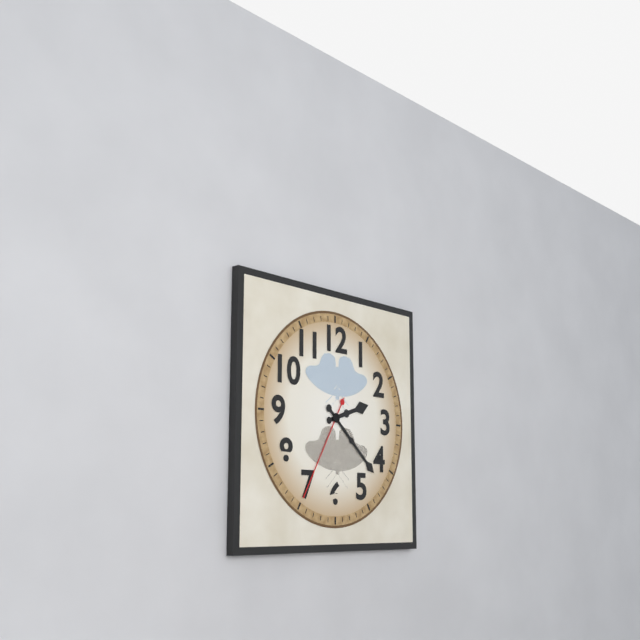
2:22:35
